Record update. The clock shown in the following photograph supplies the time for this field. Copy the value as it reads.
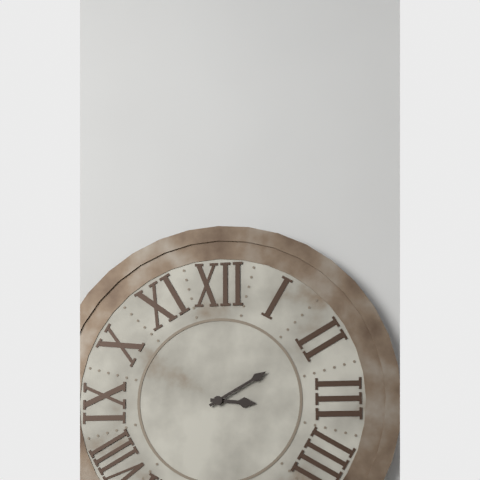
3:10
